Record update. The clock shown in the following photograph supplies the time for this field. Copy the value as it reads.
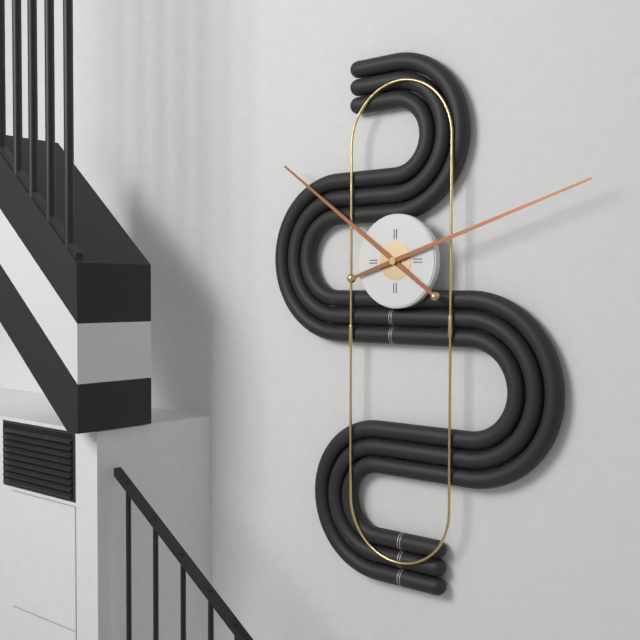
10:12
